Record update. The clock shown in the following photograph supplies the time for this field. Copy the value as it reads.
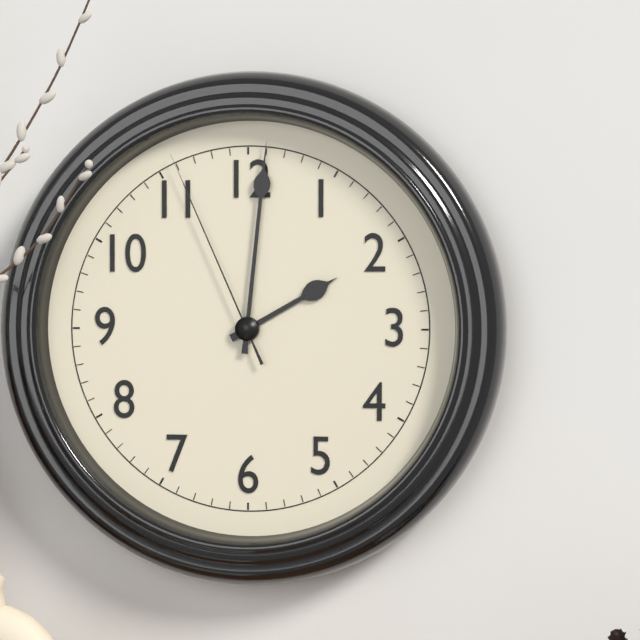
2:01:56
